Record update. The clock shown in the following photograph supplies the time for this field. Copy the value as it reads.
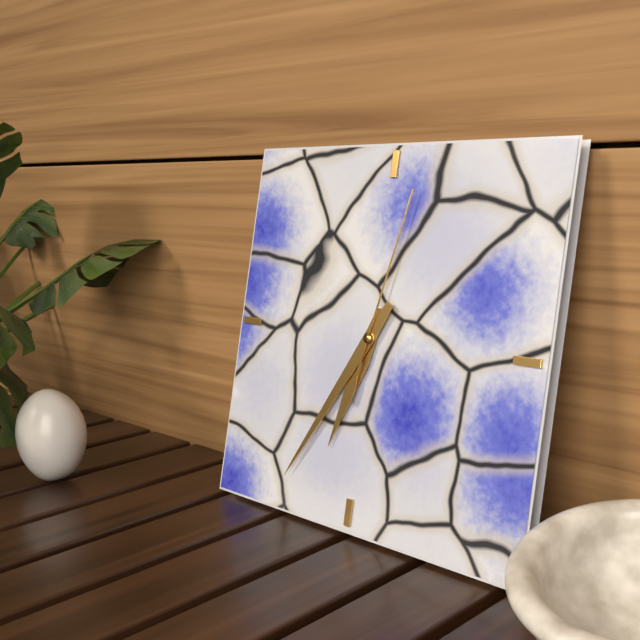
6:35:02
